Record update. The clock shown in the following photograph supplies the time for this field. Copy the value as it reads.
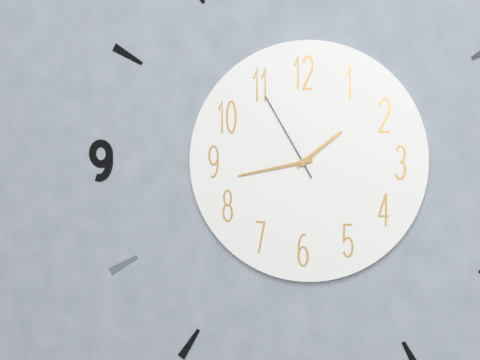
1:43:55
